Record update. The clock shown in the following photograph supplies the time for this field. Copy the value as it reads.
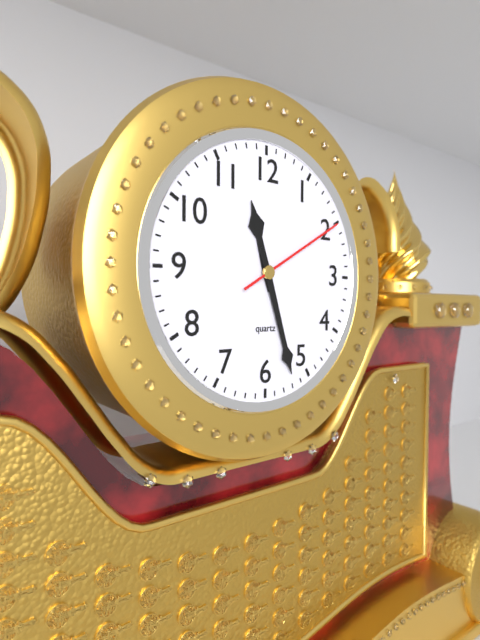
11:27:10
